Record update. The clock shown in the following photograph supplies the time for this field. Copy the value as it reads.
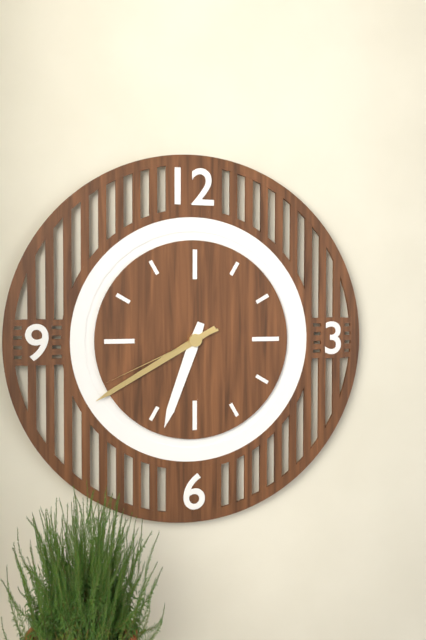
6:40:41
